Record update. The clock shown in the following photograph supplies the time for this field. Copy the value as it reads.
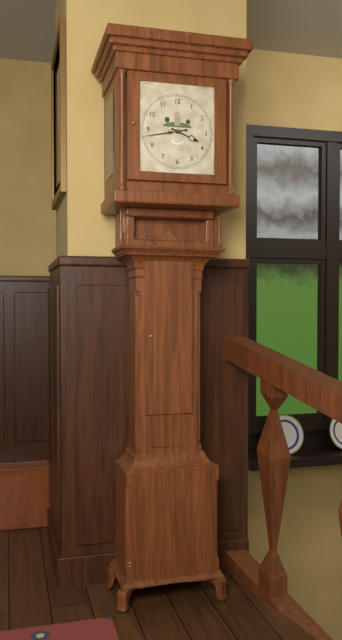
3:43
